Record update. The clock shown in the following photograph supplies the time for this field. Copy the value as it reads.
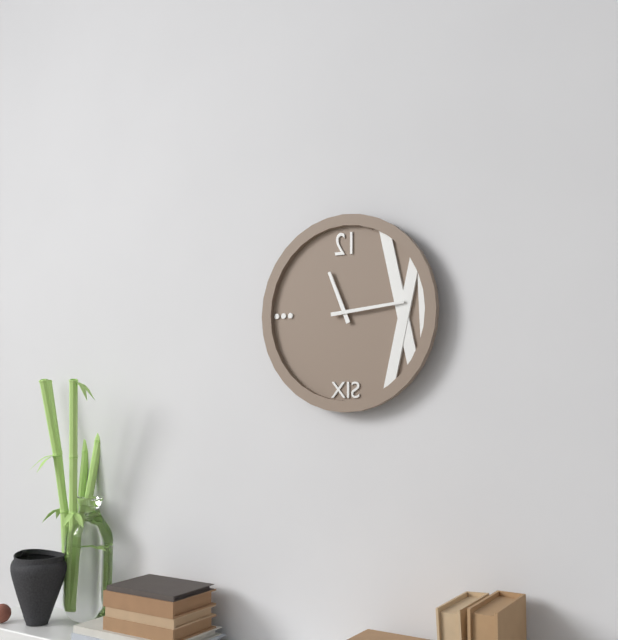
11:14
